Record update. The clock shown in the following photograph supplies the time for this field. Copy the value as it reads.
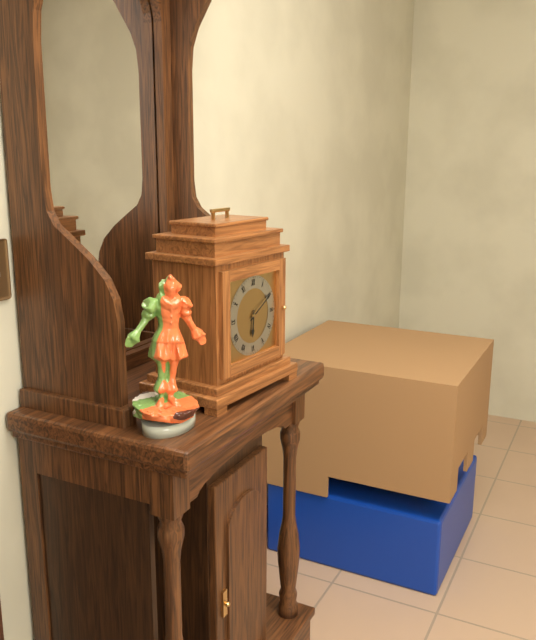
6:10
